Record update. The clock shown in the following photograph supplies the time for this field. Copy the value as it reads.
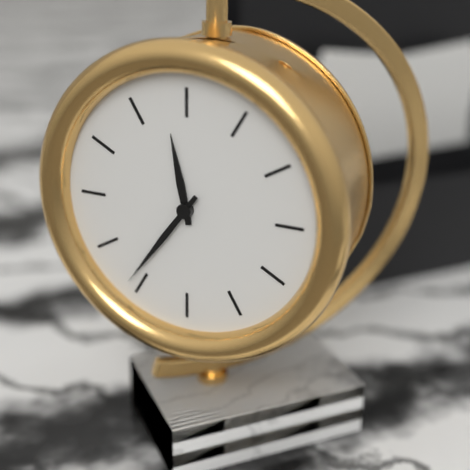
11:36
